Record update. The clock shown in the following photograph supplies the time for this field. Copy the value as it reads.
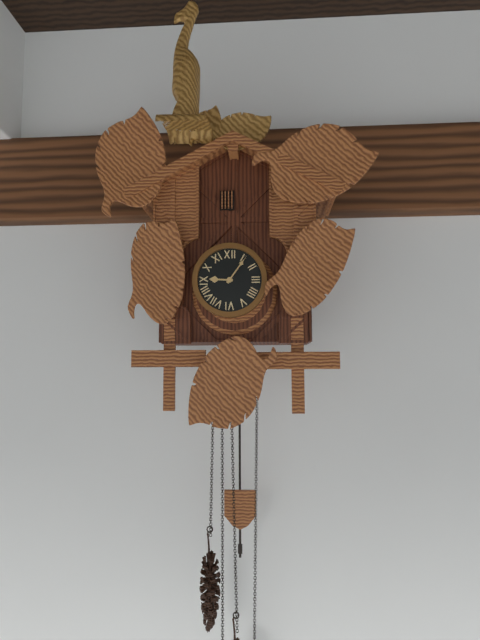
9:06
